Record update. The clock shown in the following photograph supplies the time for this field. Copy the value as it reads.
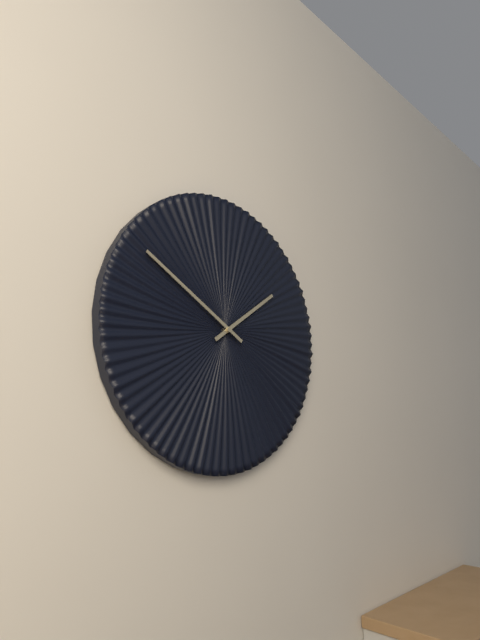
1:50
